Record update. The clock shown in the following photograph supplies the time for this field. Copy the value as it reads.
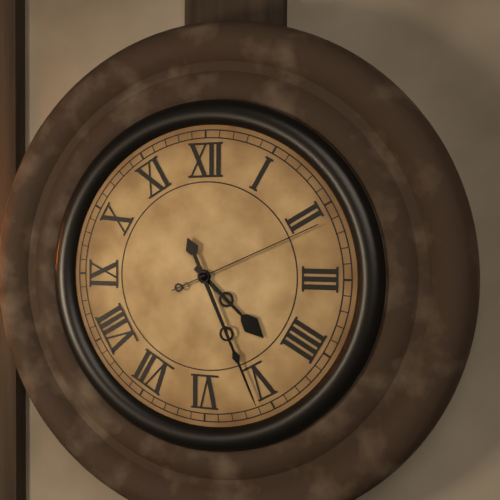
4:26:11
